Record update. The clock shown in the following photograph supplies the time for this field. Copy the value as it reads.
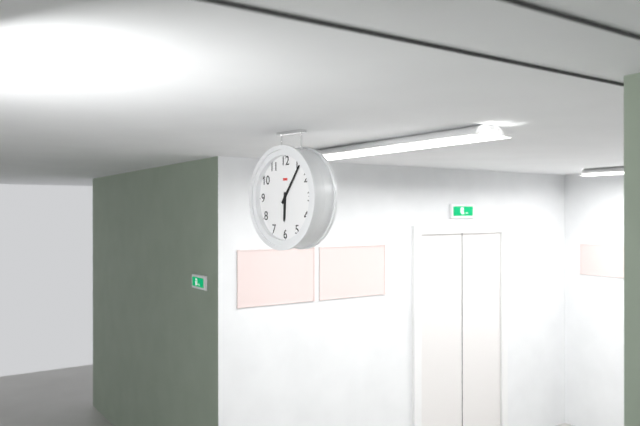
6:06
